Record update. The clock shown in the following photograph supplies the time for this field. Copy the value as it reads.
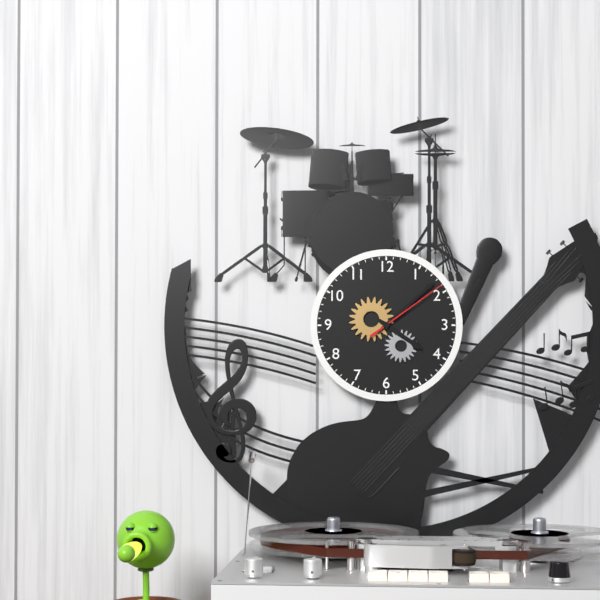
4:08:09
